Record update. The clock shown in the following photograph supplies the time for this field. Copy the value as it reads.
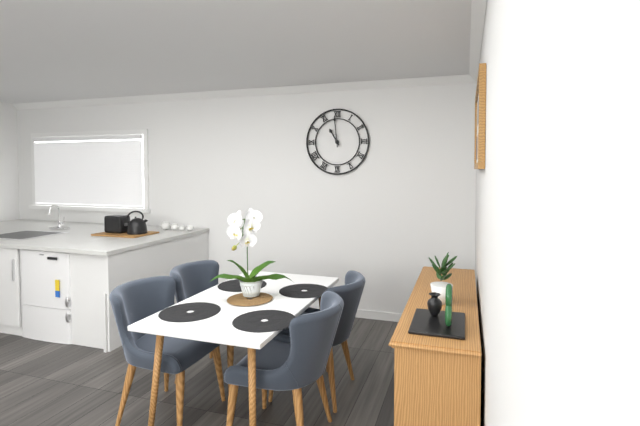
10:59
